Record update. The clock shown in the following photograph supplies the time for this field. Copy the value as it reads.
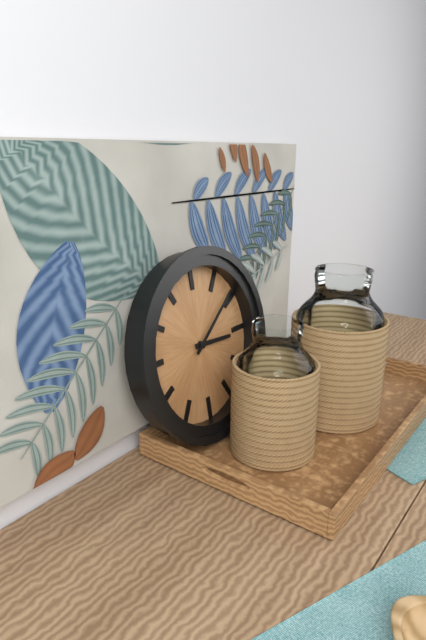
3:09
